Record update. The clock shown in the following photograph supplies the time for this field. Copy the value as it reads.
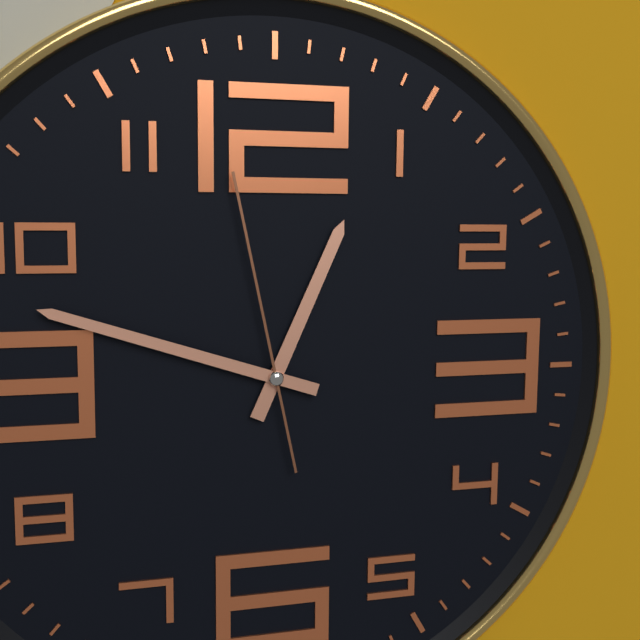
12:48:58
